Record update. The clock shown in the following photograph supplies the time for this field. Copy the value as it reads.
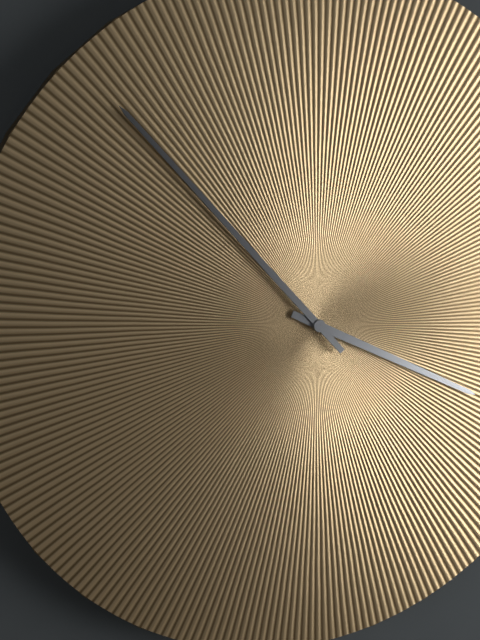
3:53
